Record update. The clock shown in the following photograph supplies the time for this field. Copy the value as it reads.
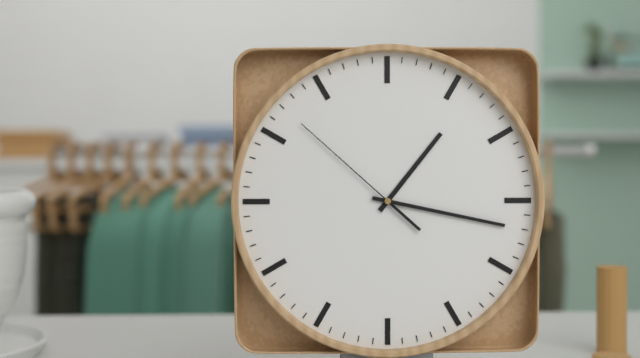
1:17:52
